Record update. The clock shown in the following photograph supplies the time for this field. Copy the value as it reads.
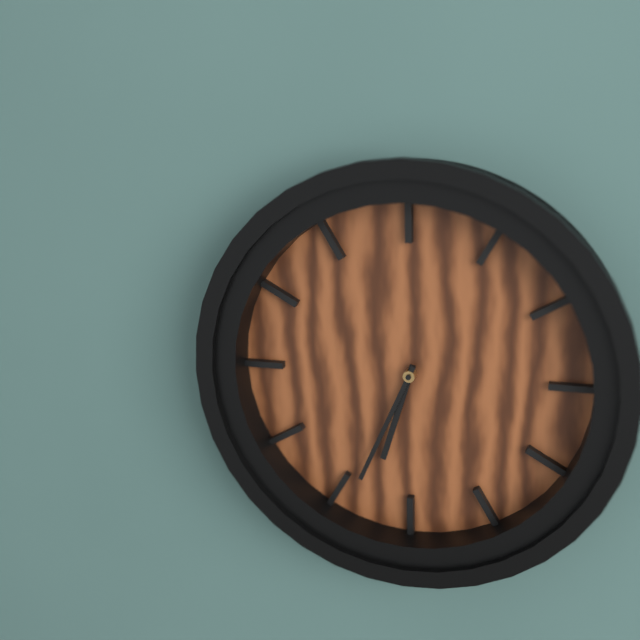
6:34
